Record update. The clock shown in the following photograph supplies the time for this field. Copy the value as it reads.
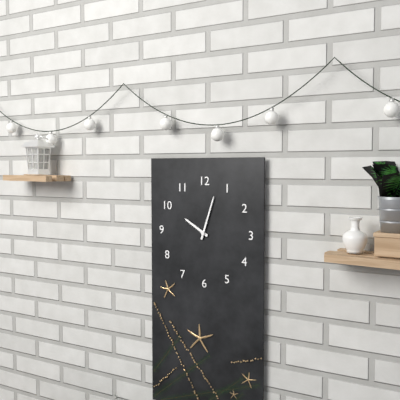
10:03
